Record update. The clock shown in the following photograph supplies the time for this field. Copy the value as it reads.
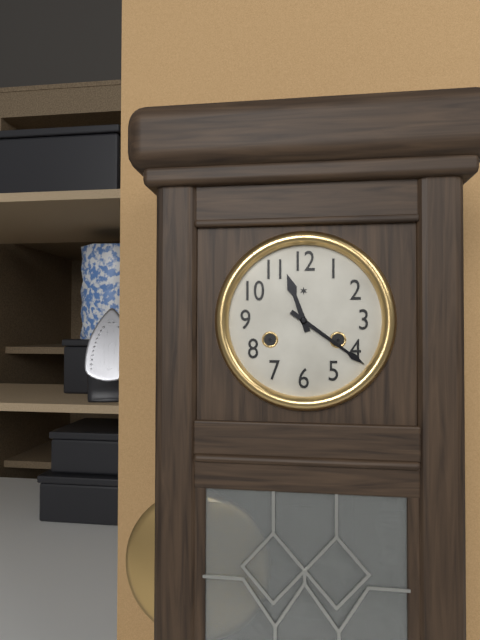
11:21
